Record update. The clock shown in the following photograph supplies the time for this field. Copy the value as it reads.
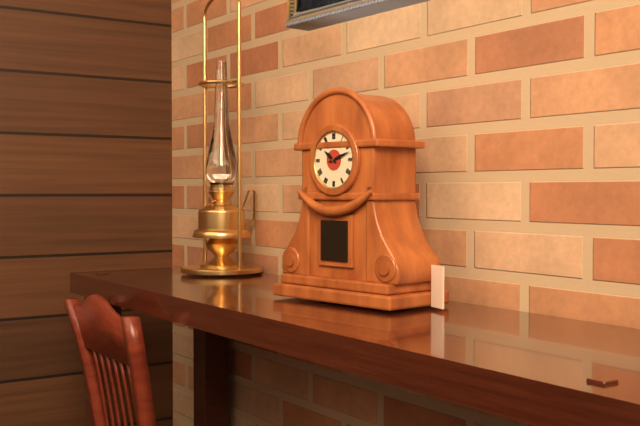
10:12
